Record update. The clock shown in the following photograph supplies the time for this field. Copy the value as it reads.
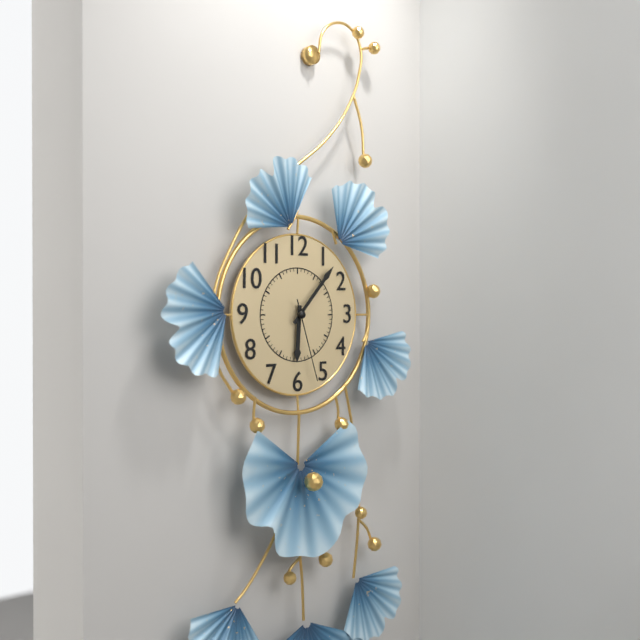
6:07:27
